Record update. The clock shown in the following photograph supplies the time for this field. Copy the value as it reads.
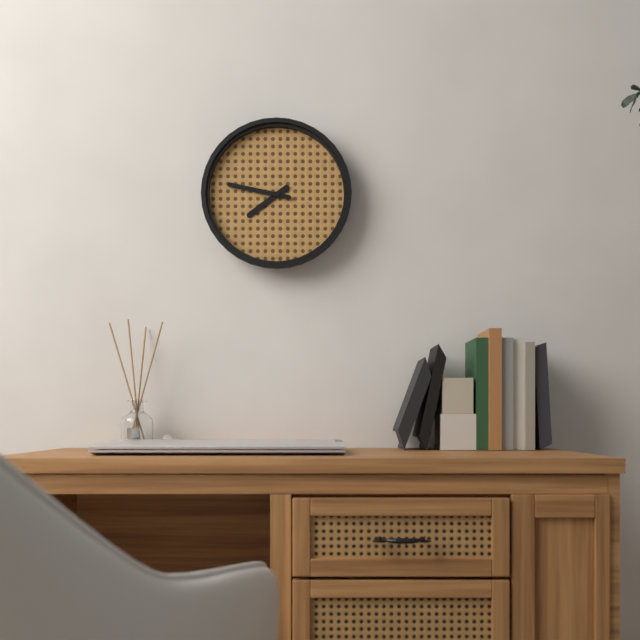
7:47
